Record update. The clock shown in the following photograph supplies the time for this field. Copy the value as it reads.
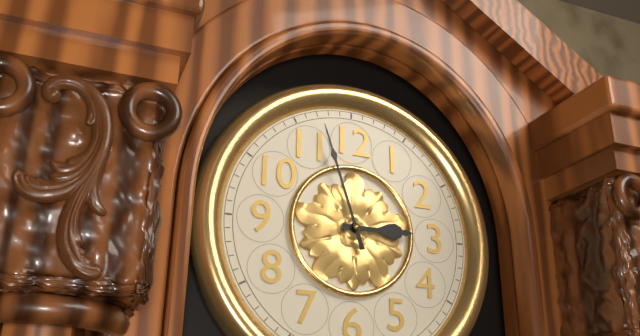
2:57
